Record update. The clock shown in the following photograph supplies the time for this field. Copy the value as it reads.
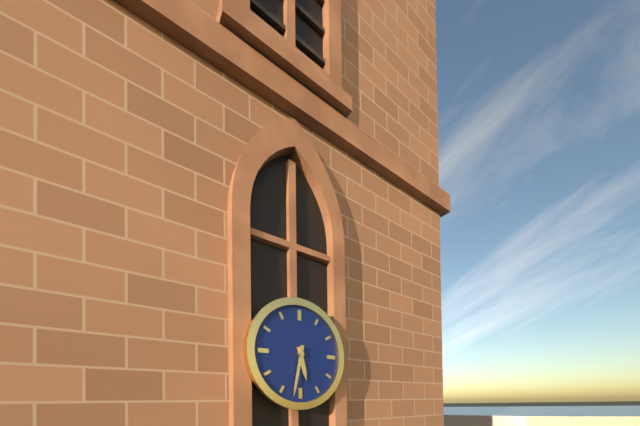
5:32
